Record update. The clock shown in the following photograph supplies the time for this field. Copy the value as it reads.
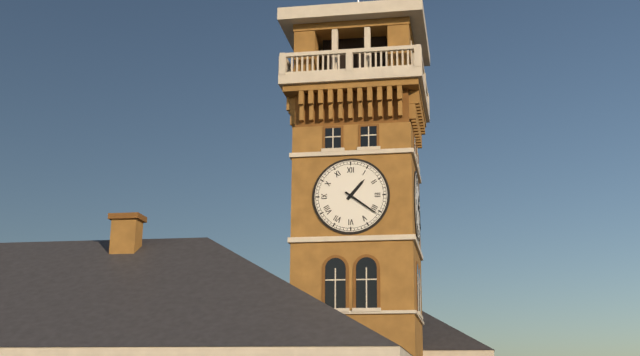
1:21
